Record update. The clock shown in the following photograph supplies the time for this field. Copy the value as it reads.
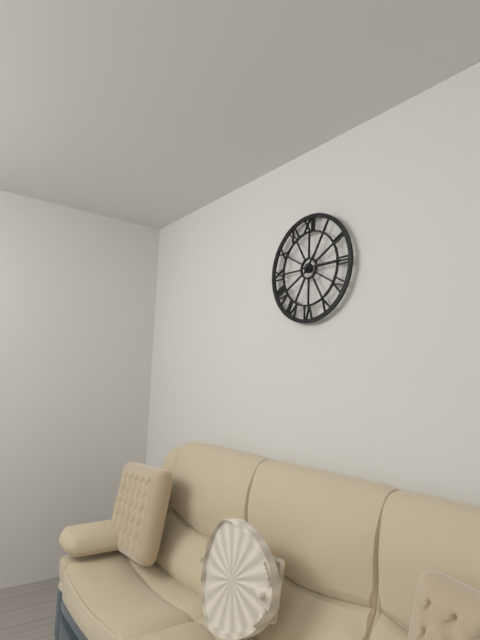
1:15
